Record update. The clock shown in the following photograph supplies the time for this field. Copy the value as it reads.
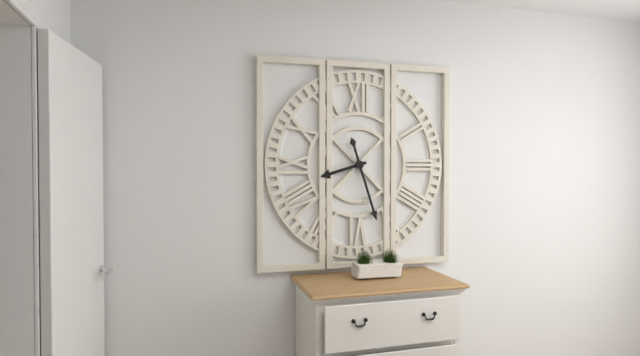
8:27
